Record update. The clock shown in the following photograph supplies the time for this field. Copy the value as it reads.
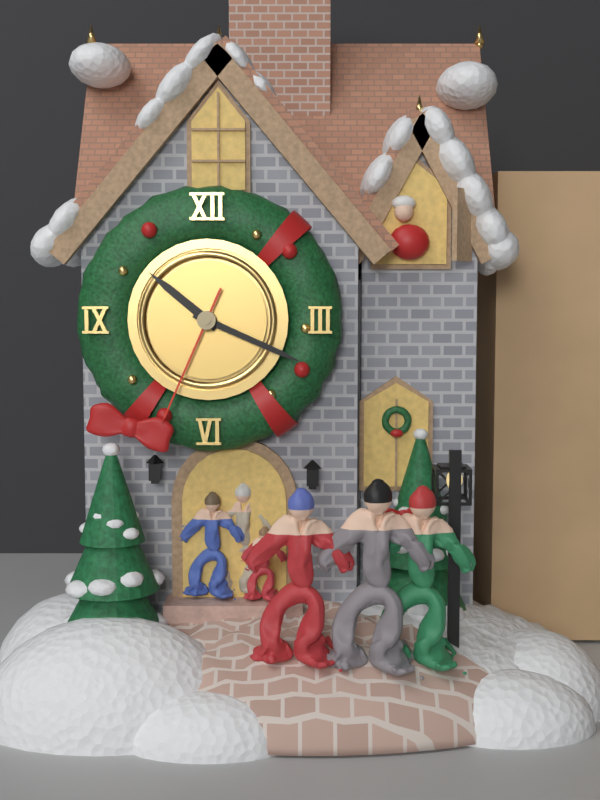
10:19:34
